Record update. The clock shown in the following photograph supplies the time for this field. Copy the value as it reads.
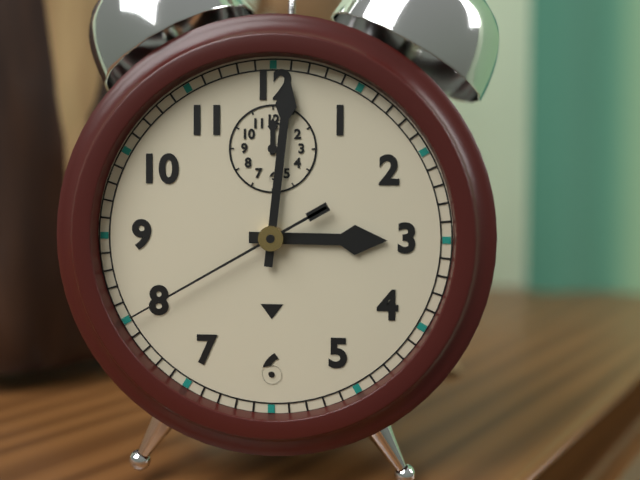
3:01:40
